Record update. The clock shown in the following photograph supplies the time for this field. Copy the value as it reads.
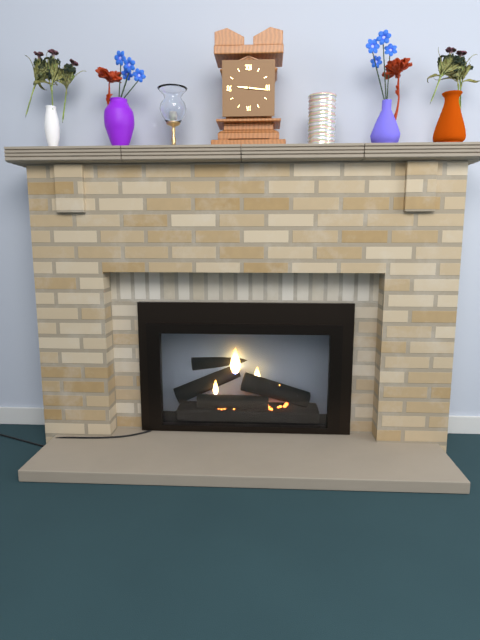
9:16
